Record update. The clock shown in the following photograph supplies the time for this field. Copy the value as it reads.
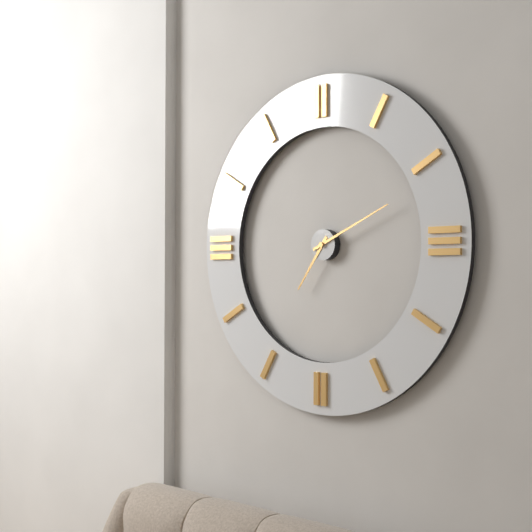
7:11
